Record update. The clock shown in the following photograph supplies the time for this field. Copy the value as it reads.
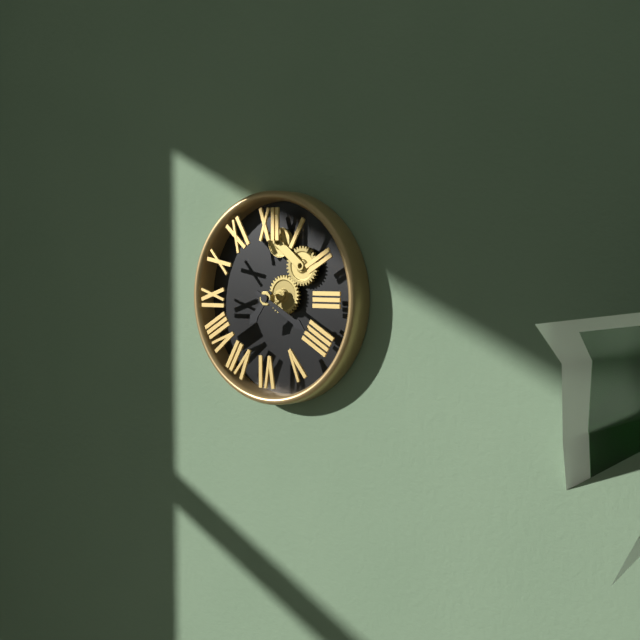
7:20
